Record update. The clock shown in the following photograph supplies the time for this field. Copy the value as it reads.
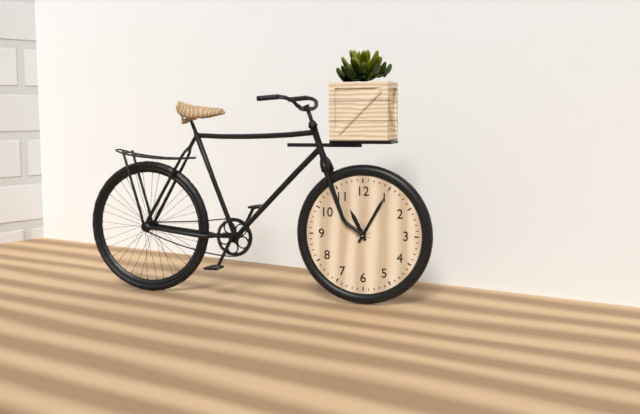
11:05
